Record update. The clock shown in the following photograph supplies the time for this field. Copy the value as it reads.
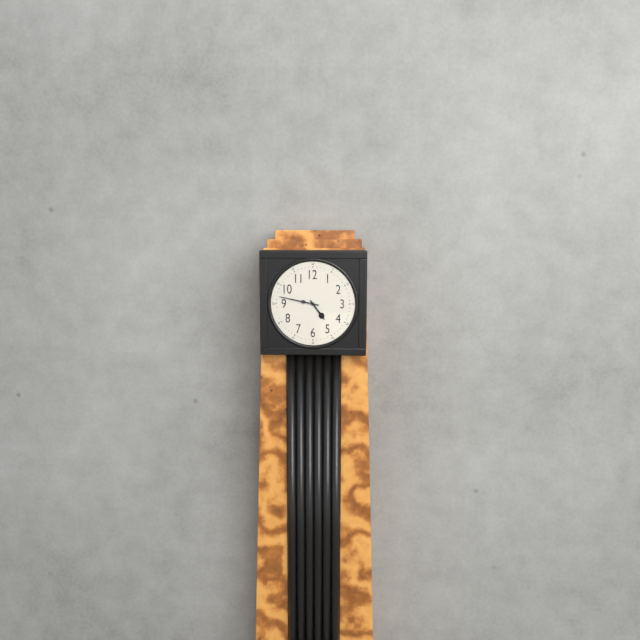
4:47
